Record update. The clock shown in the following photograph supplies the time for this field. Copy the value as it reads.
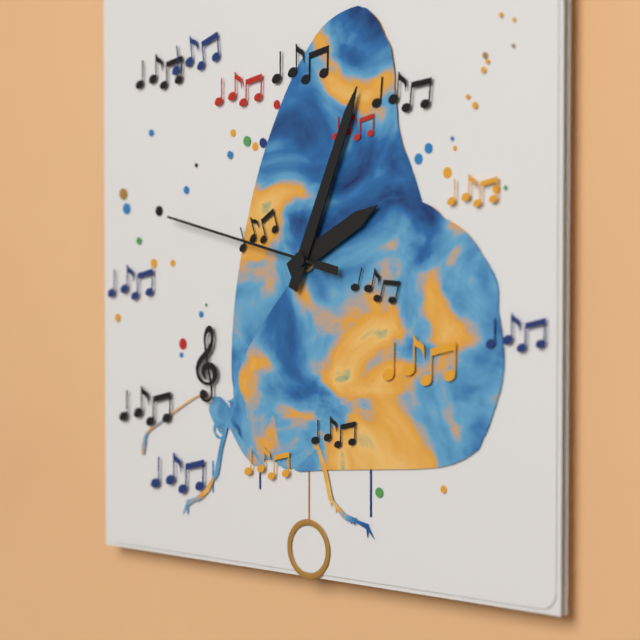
2:04:47
